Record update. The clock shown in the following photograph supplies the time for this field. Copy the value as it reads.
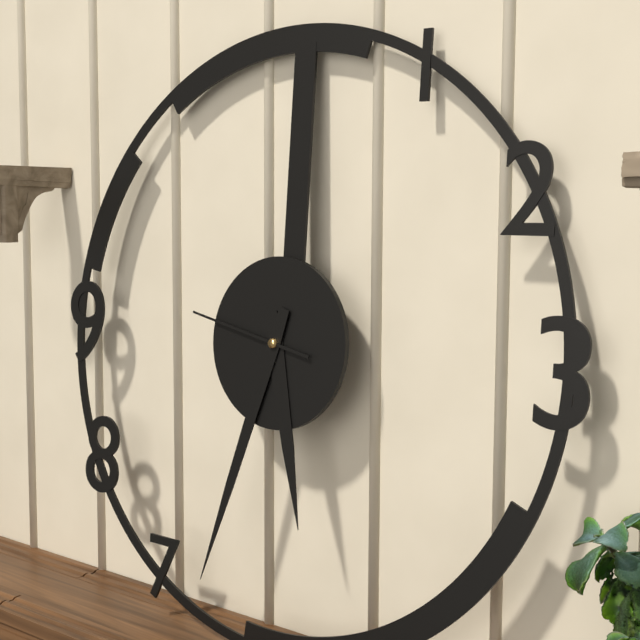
5:33:47
